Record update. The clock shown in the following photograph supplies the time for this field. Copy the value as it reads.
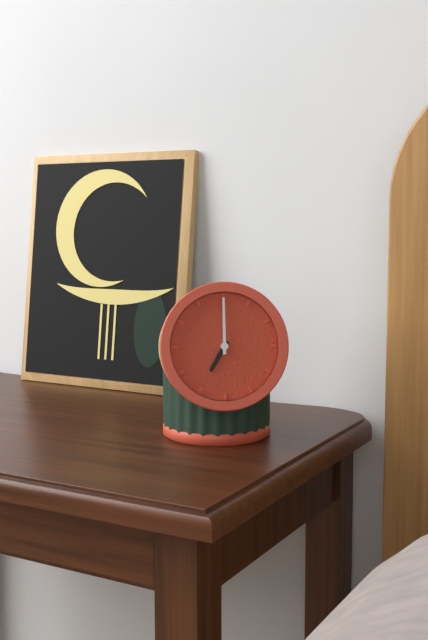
7:00
